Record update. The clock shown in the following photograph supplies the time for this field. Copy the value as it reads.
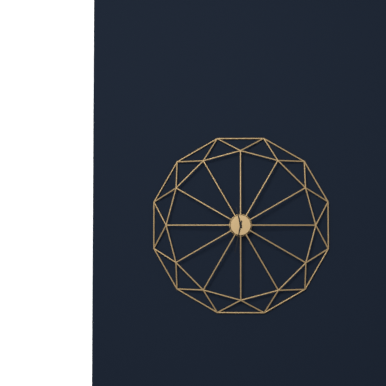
11:32
